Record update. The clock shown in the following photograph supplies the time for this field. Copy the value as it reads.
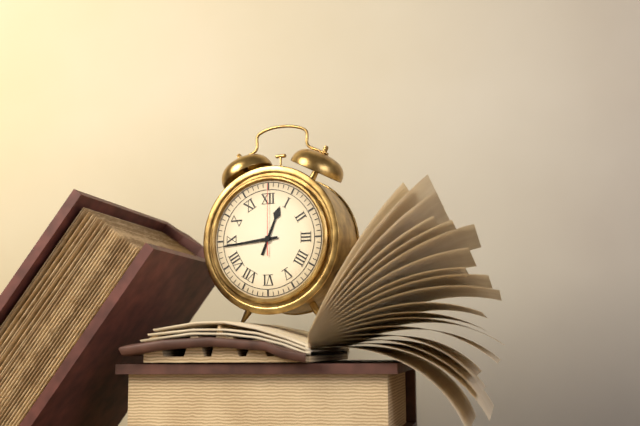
12:44:00
